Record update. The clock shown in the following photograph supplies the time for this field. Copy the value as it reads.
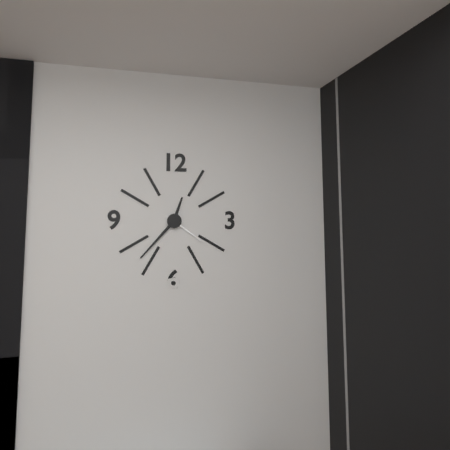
12:37
